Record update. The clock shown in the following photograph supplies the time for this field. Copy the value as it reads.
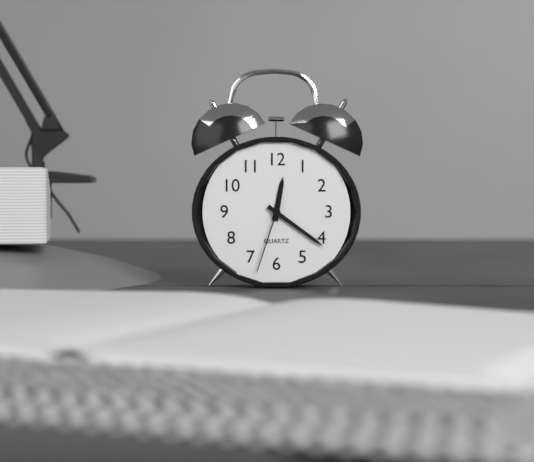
12:21:33
